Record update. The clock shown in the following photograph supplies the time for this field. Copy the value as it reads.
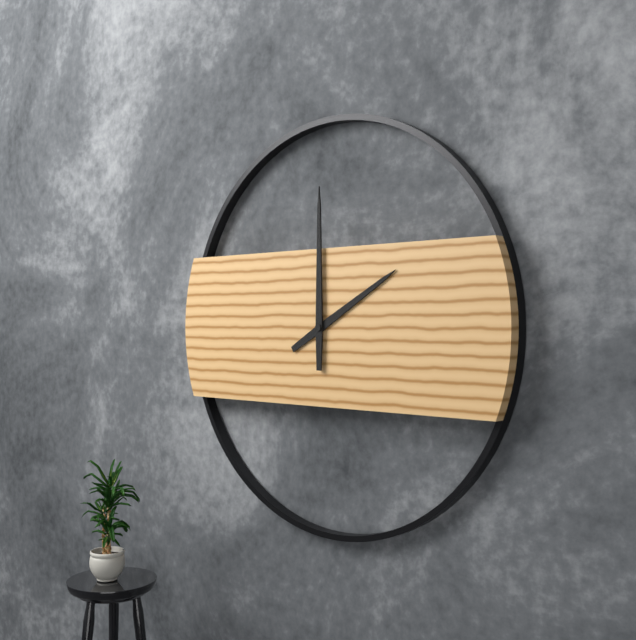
2:00
